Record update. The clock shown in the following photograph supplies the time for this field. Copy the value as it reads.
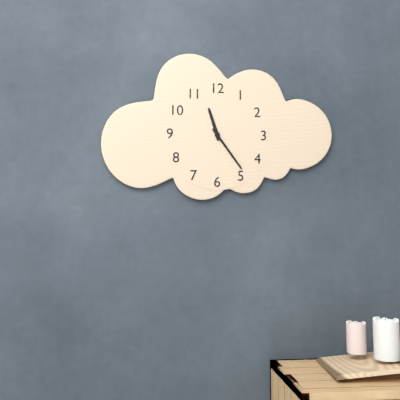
11:24
